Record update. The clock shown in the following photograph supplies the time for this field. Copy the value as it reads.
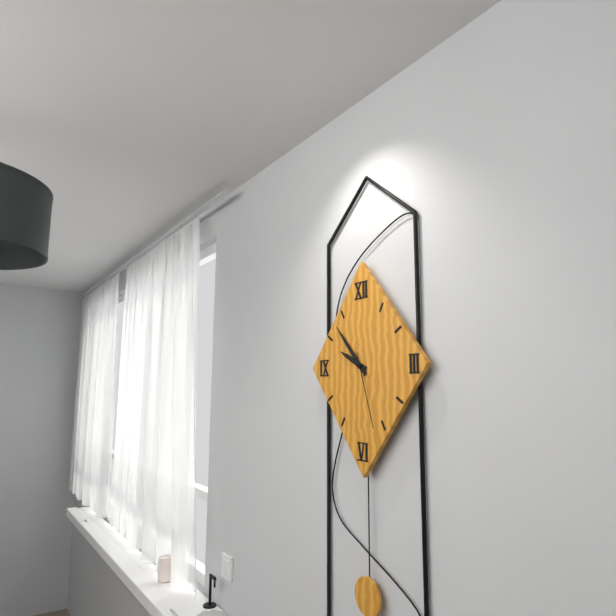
9:53:27
